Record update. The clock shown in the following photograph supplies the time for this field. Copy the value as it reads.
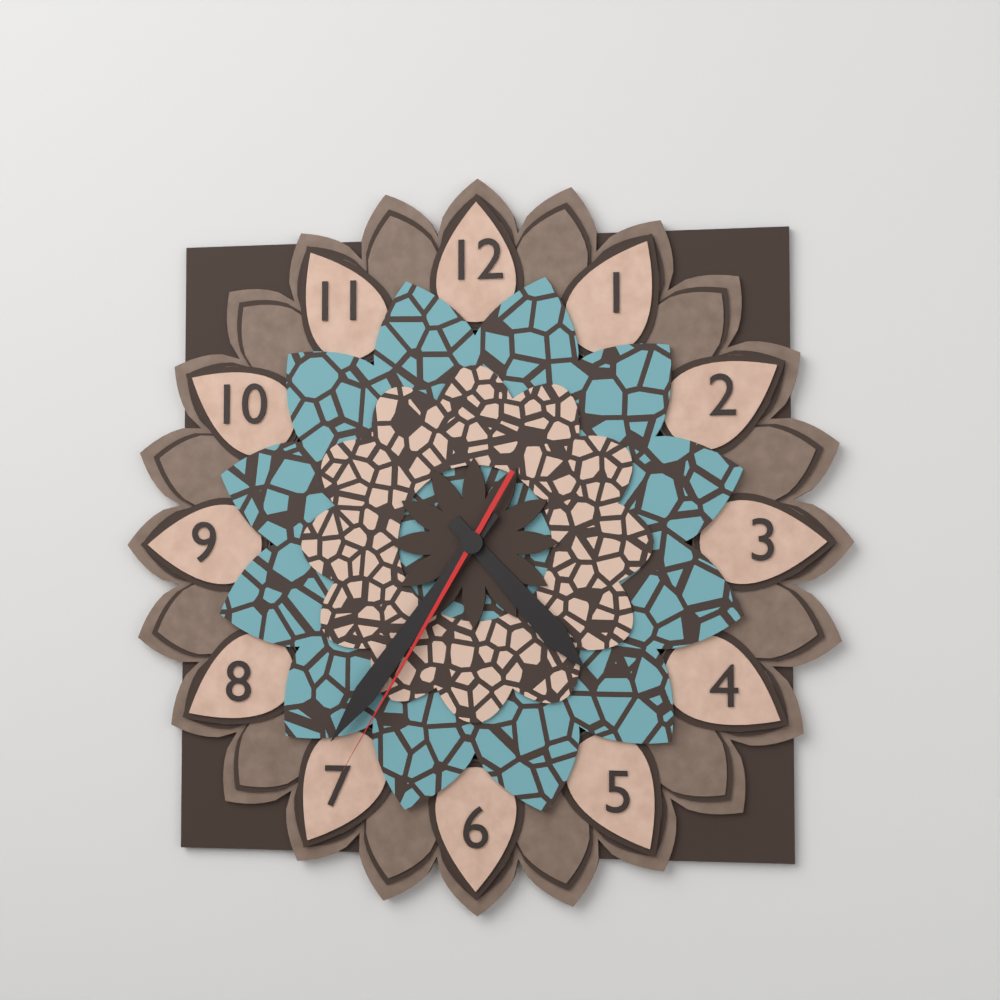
4:36:35
